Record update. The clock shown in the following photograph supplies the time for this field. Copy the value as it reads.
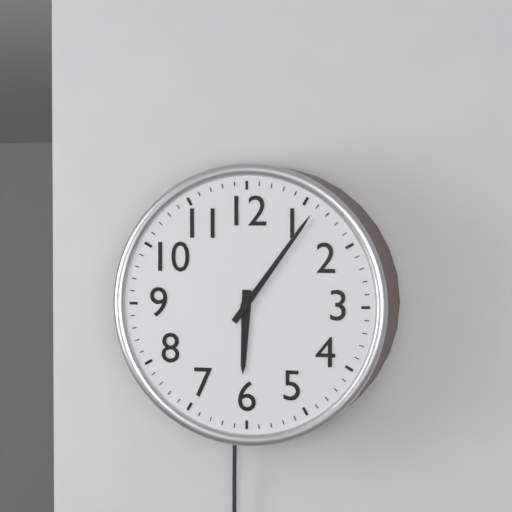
6:06
